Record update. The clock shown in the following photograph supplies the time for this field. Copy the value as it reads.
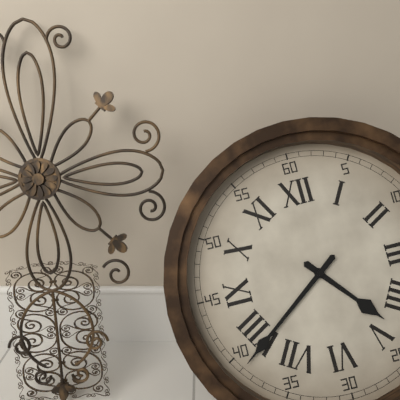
4:39
